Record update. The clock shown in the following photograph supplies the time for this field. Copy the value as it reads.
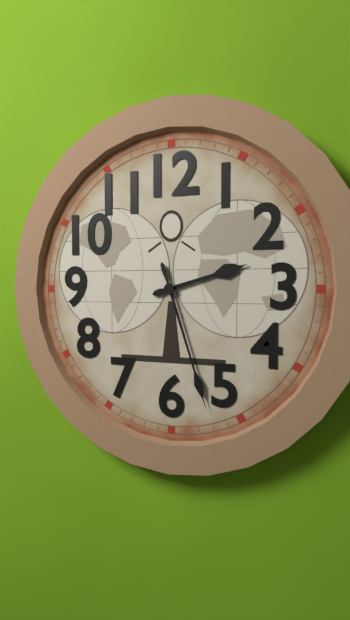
2:27
